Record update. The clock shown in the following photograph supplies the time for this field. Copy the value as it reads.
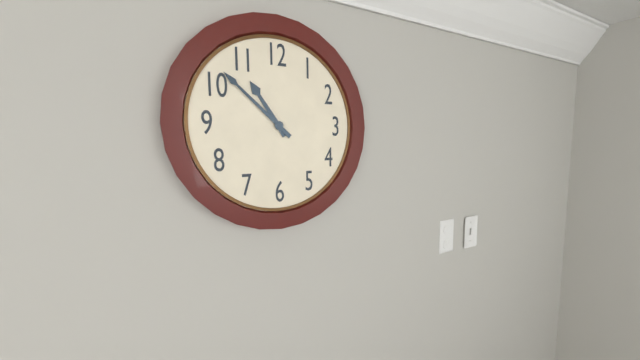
10:52
